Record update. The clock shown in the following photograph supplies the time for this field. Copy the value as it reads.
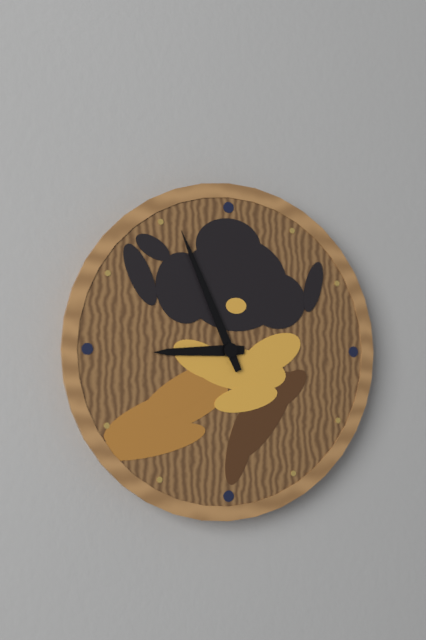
8:56
